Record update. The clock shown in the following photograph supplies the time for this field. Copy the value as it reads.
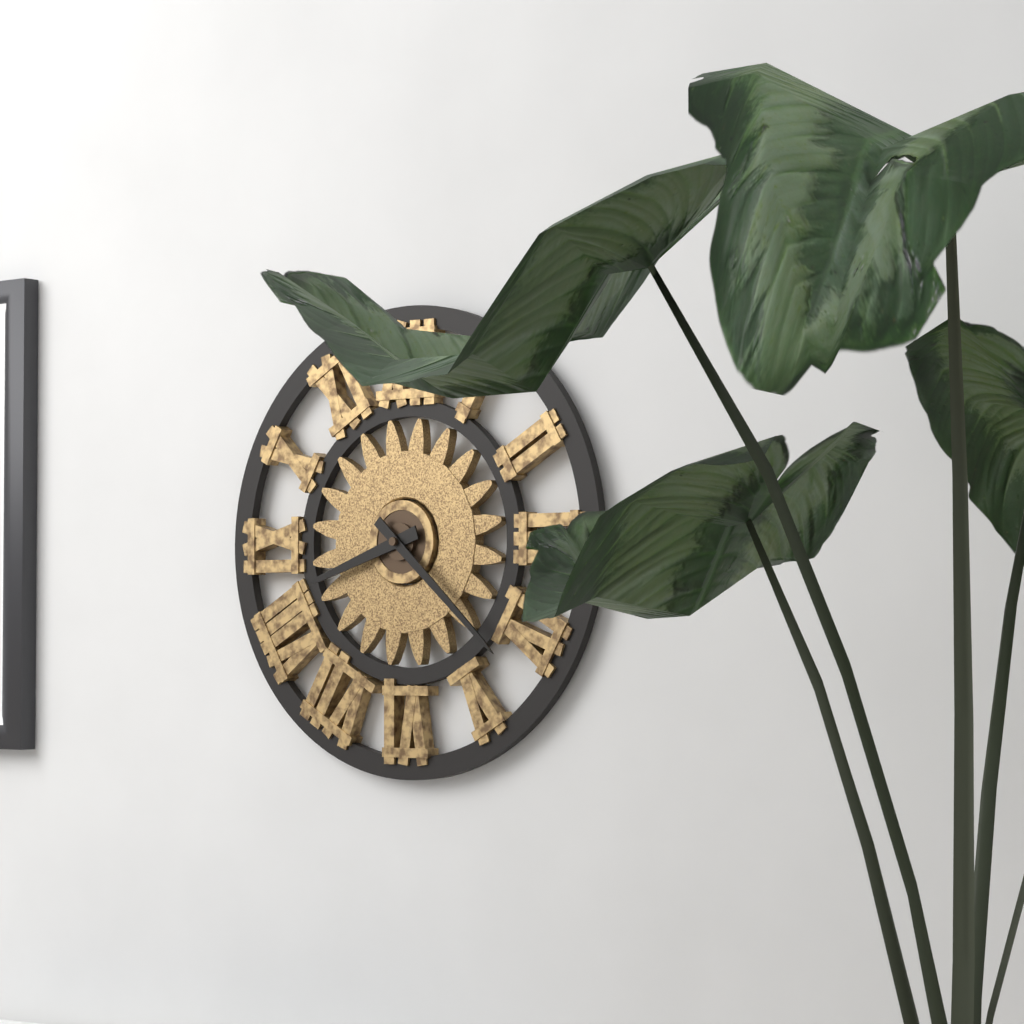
8:22
